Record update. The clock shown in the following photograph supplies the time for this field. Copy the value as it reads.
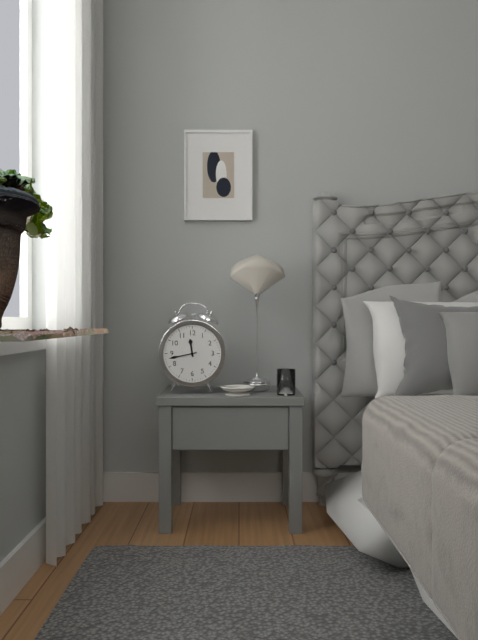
11:43
